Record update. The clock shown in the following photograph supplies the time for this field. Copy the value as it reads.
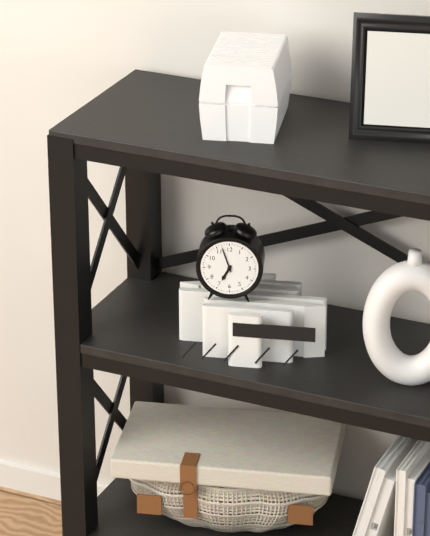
6:57
